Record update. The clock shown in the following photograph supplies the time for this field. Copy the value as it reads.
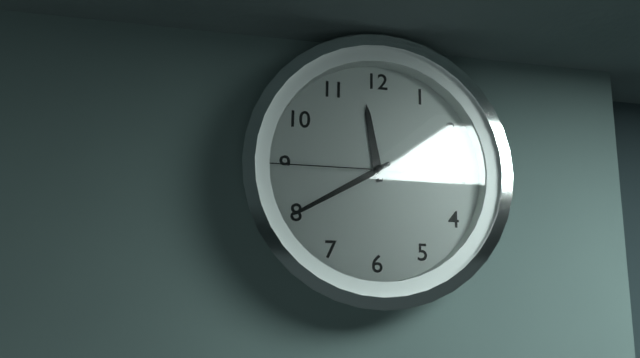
11:40:45
